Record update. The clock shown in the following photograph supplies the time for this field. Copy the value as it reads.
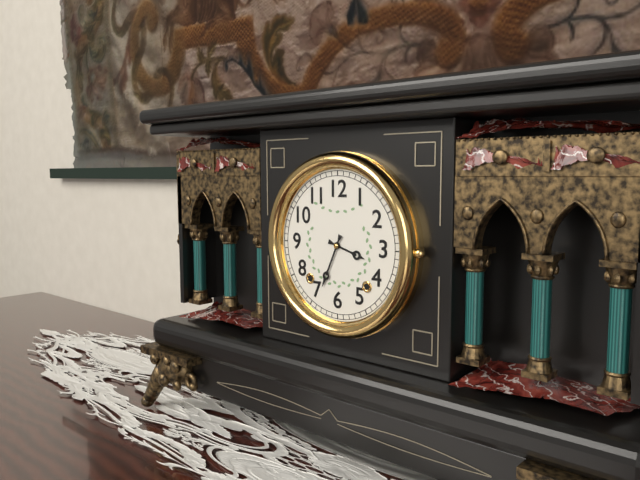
3:34
